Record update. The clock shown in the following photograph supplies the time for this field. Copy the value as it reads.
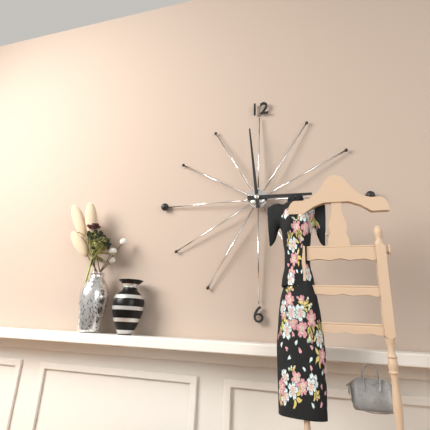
2:59
